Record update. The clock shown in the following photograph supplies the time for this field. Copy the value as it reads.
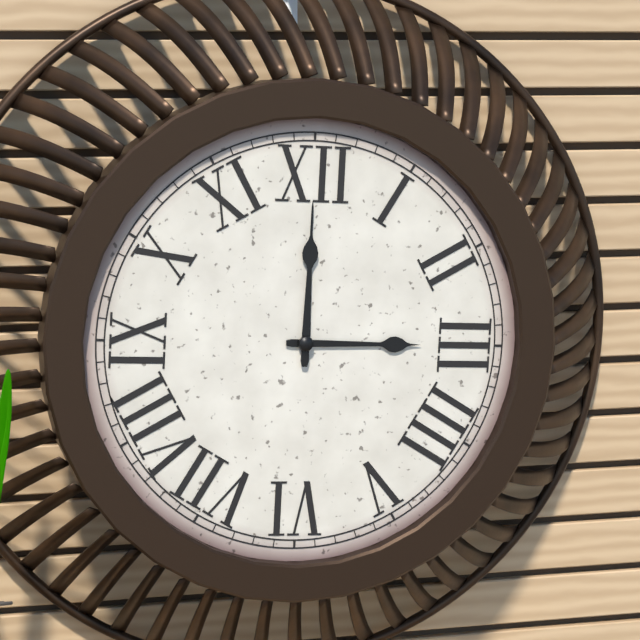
3:00
